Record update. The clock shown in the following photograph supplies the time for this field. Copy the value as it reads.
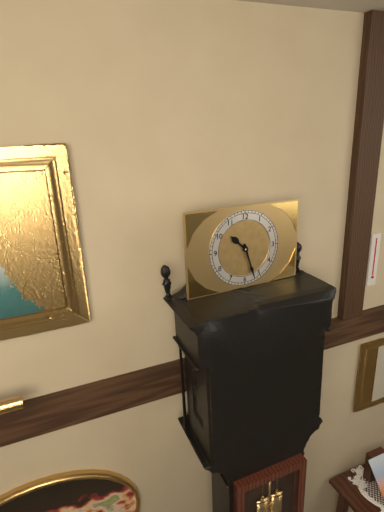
10:27
